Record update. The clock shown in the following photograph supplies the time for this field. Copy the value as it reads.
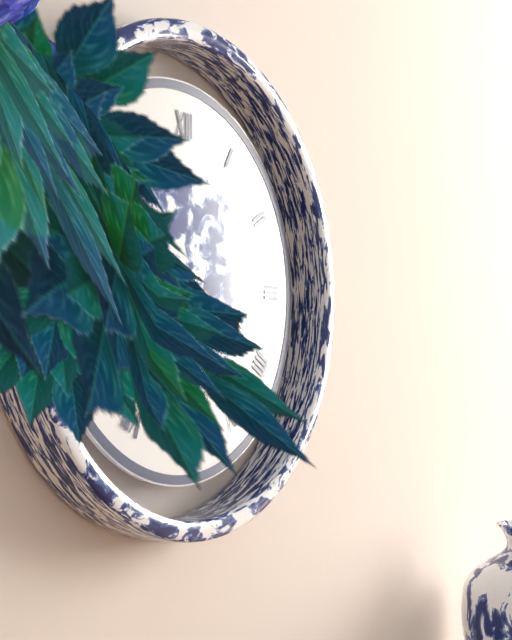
8:19
